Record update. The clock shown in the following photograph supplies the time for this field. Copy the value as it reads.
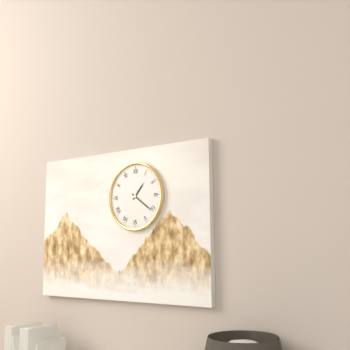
1:21
